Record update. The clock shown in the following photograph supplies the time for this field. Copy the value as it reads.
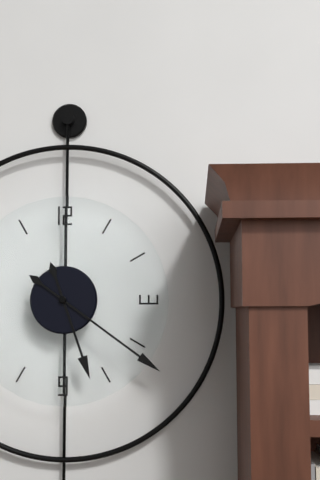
5:21
